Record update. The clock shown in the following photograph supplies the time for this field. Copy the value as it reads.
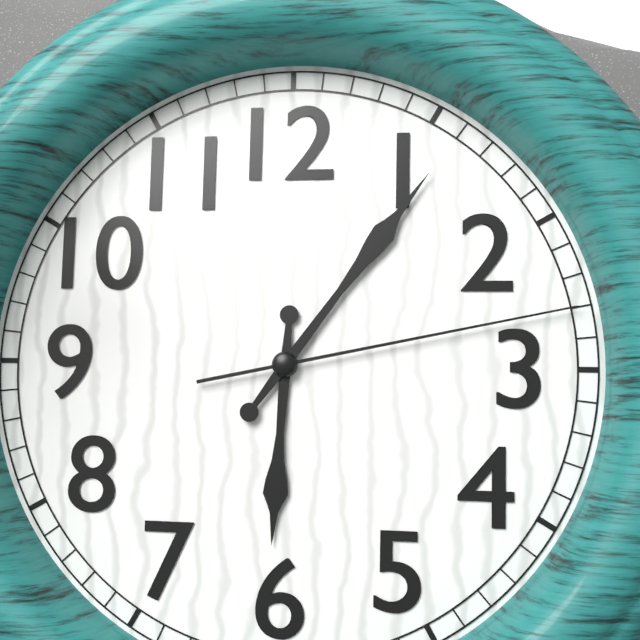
6:06:13
